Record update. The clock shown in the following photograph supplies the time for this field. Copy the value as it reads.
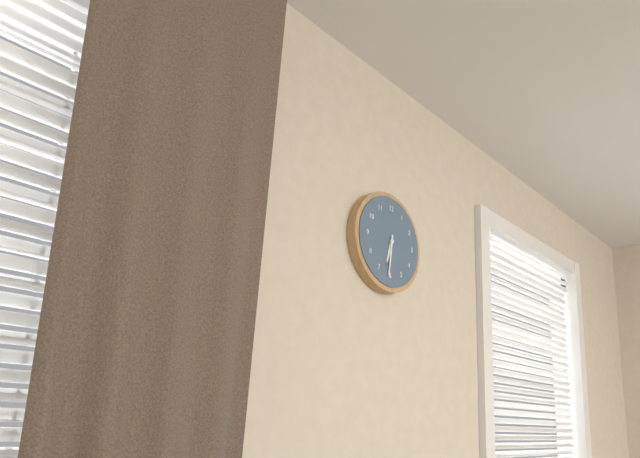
6:31
